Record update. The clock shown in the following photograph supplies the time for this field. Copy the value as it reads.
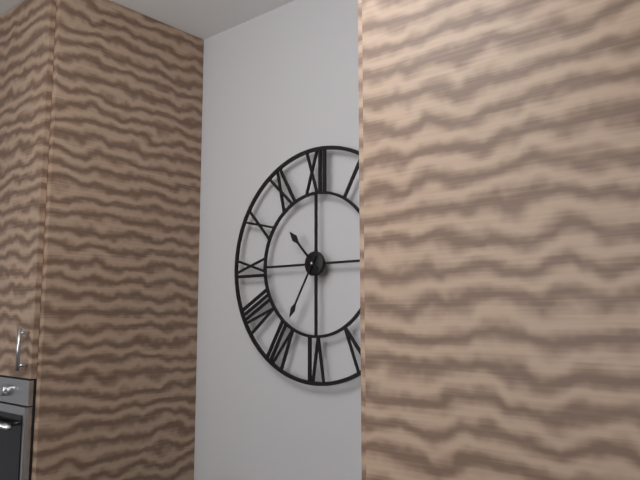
10:35
